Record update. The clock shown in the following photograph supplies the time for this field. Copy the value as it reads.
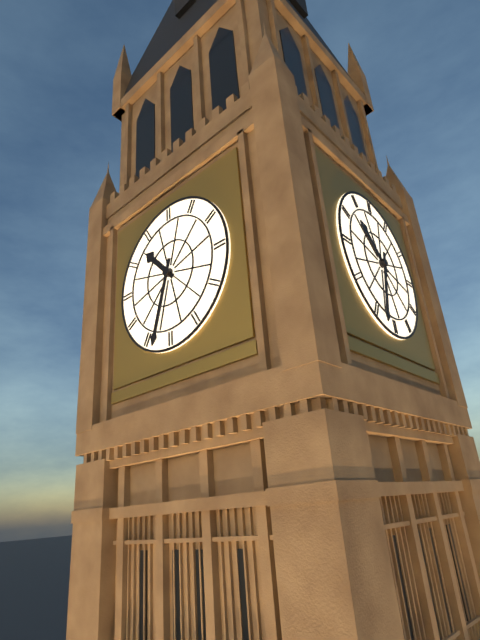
10:33
